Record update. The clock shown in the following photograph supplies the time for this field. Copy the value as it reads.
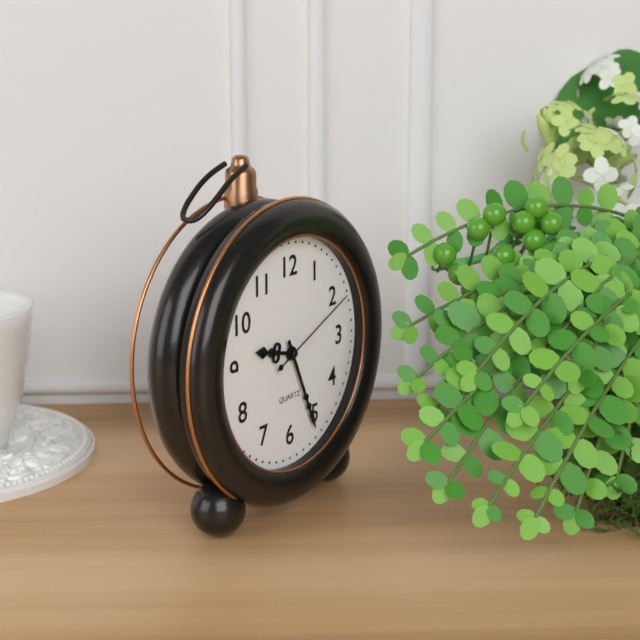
9:26:11
